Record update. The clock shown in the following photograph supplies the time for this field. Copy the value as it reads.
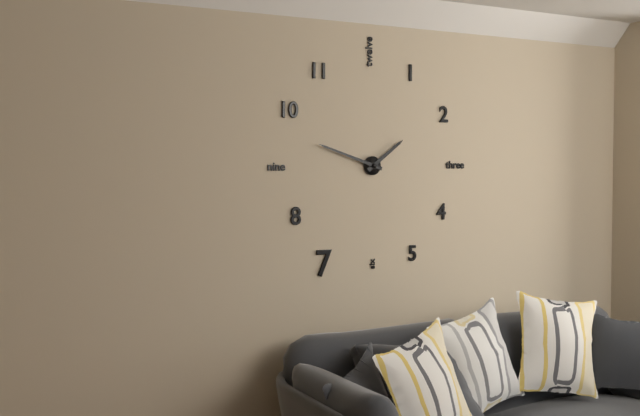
1:48
